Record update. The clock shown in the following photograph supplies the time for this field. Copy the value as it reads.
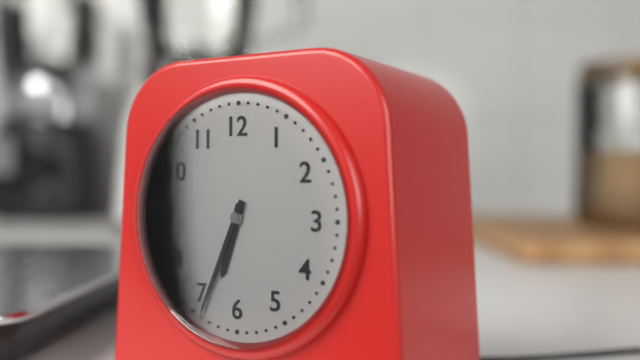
6:34
